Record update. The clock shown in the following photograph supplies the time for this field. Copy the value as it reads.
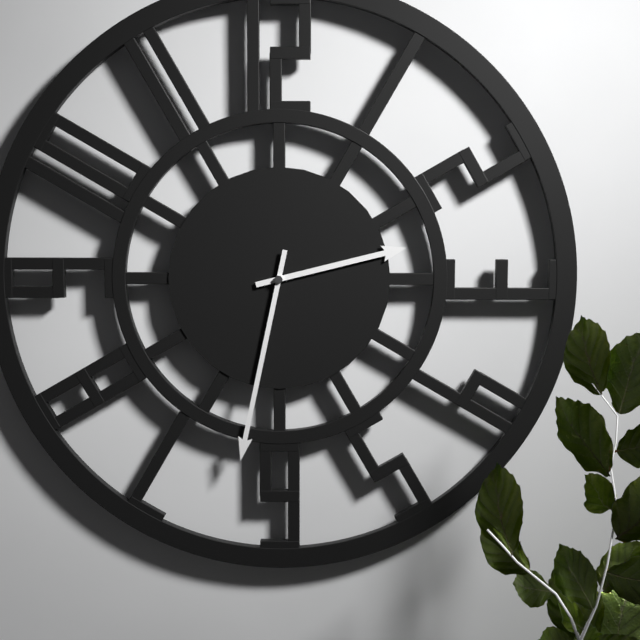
2:32
